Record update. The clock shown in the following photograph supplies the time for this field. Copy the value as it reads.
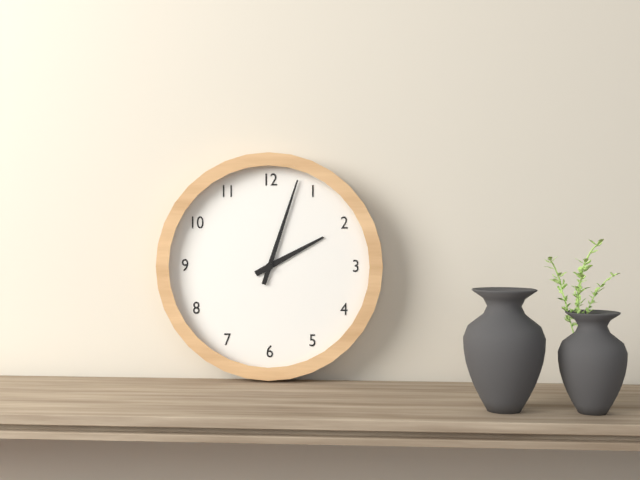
2:03
